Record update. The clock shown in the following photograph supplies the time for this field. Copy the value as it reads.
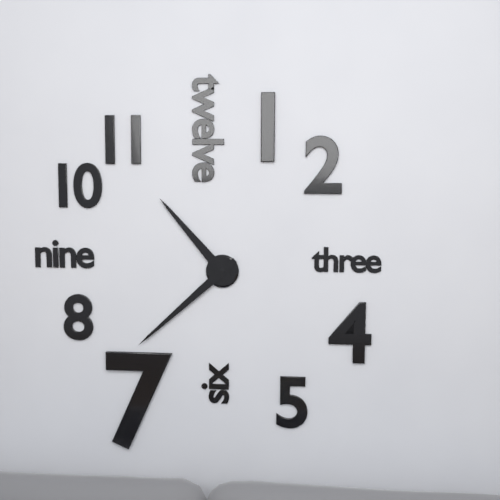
10:38
